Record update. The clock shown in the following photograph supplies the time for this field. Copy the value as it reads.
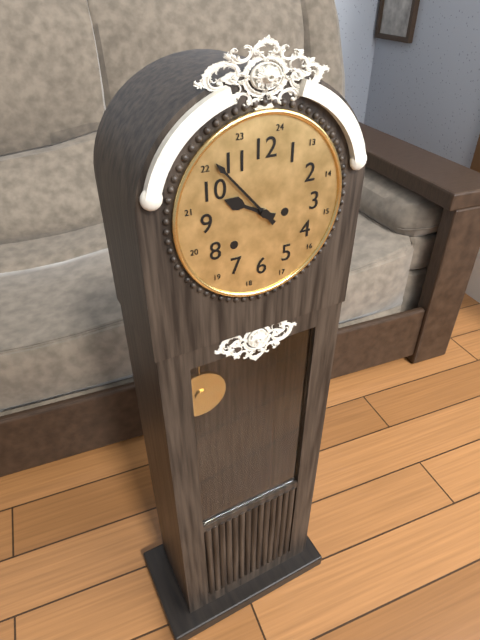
9:53
